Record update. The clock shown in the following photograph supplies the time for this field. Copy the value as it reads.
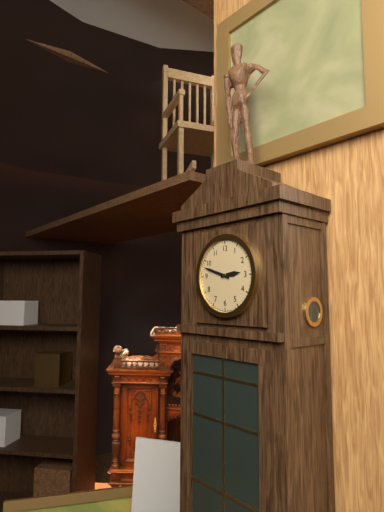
2:48
